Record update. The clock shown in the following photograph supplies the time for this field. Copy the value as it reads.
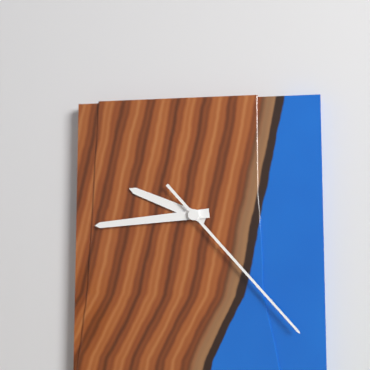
9:44:23
